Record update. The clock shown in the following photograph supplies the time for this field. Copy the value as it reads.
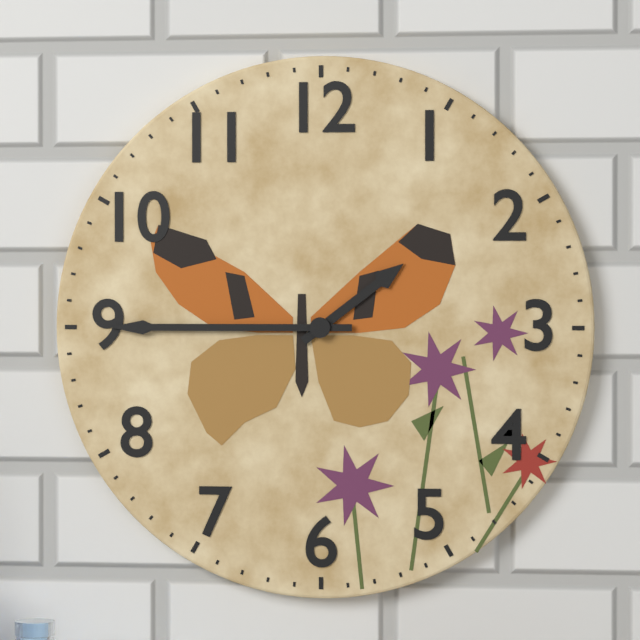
1:45
